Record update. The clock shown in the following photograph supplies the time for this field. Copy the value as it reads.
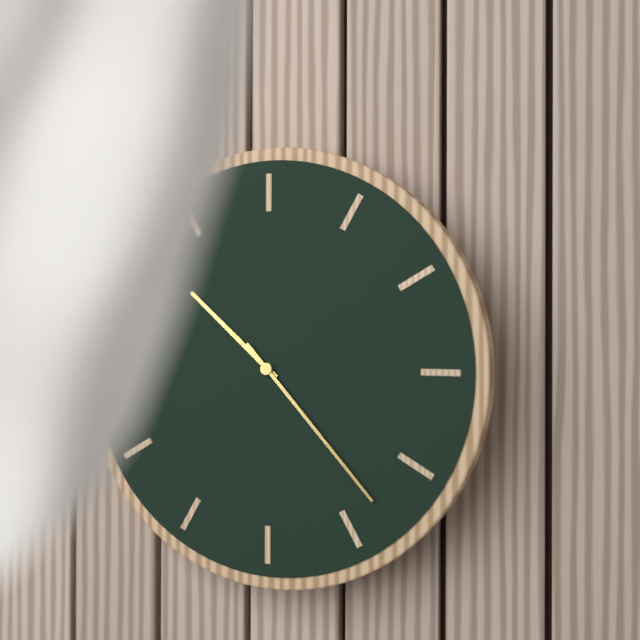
10:23
